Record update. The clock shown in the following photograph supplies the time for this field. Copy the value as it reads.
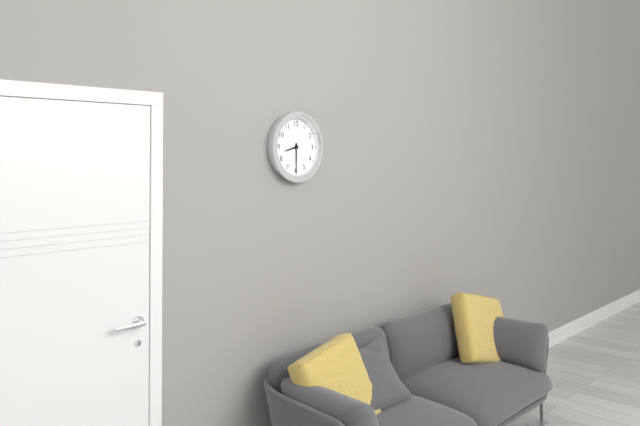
8:30
